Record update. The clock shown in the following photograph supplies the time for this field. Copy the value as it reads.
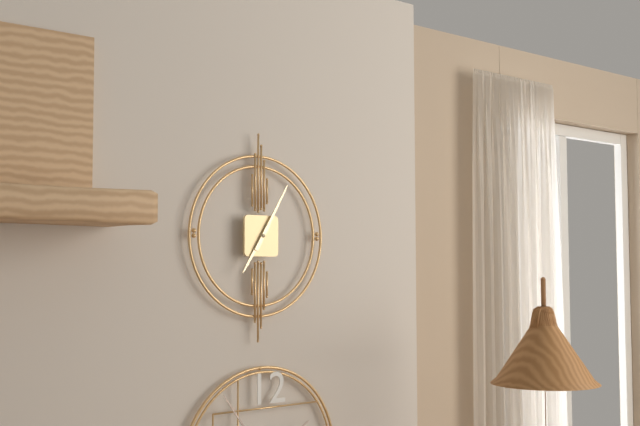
7:05
